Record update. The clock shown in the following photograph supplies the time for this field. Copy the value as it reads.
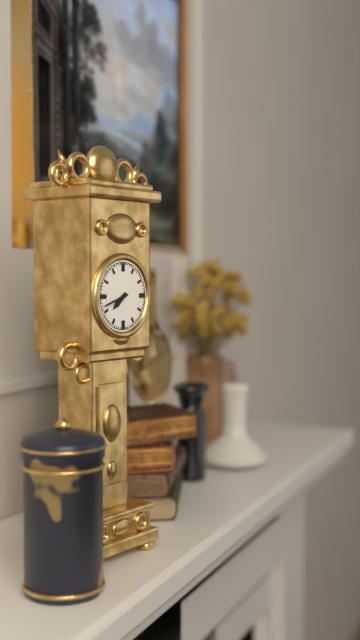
7:42
